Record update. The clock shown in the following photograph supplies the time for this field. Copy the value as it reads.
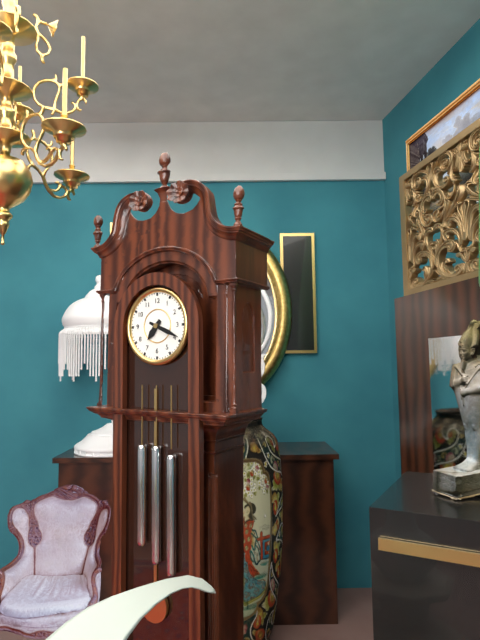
7:19
